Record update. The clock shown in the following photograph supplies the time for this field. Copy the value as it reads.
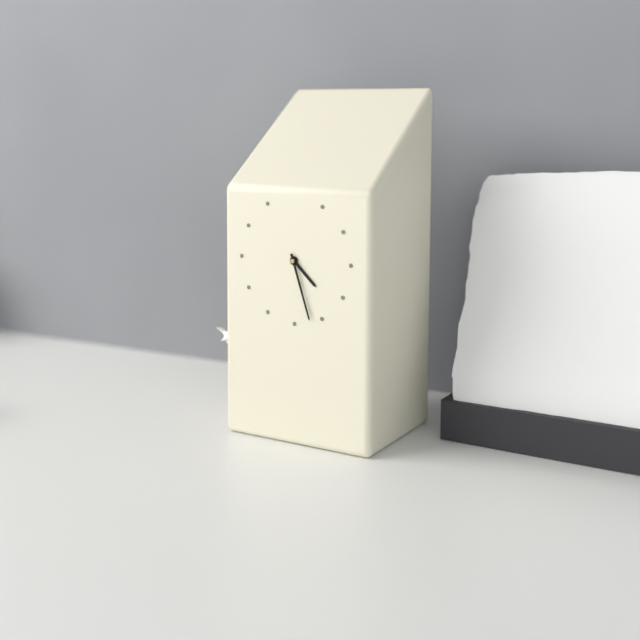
4:27
